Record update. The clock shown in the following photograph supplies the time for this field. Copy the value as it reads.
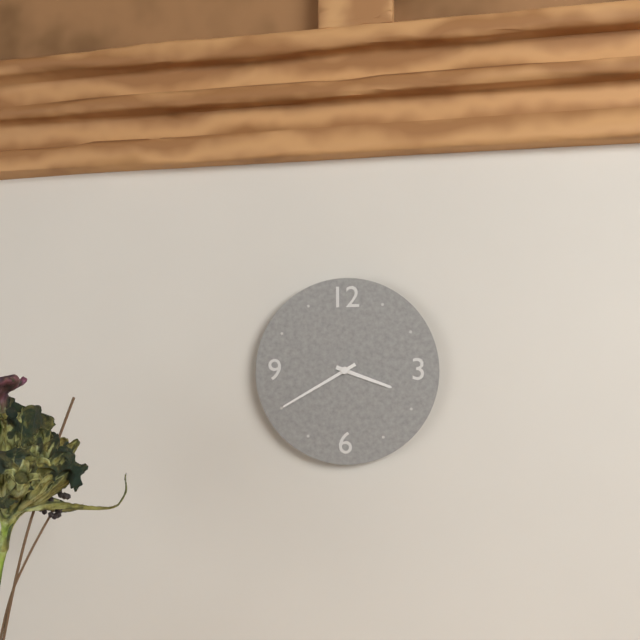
3:40
